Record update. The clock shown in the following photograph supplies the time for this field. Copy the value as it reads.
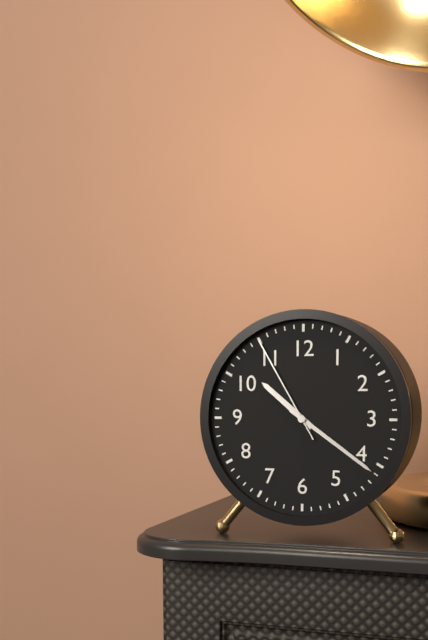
10:21:55
